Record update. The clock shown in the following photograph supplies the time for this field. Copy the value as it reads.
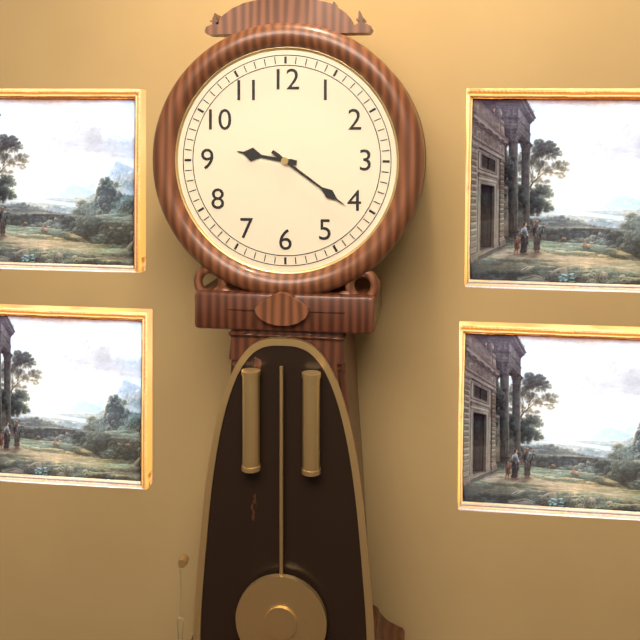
9:21
